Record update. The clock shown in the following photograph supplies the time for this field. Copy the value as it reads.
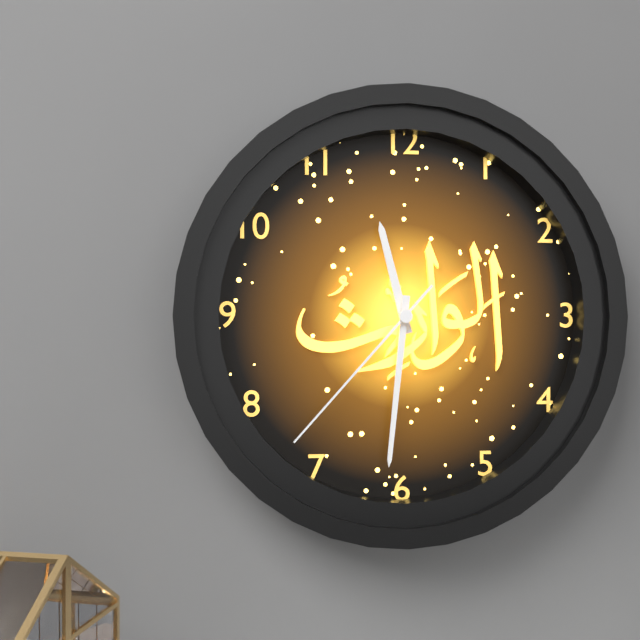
11:31:37
